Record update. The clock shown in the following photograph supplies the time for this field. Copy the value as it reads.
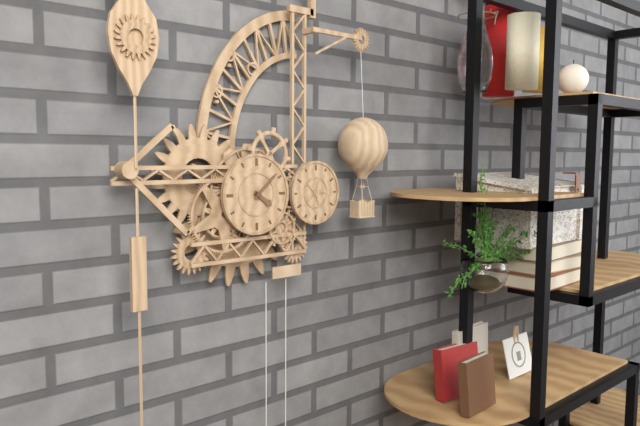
4:08
